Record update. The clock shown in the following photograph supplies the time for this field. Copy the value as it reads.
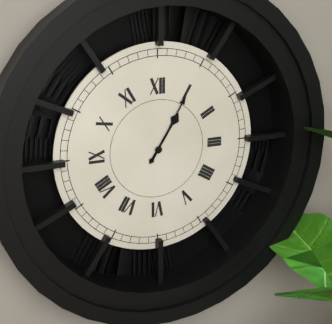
1:05
